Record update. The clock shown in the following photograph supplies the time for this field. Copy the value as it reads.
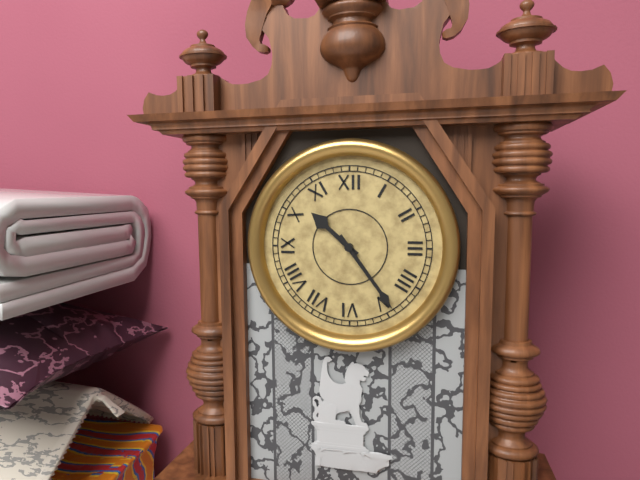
10:24
